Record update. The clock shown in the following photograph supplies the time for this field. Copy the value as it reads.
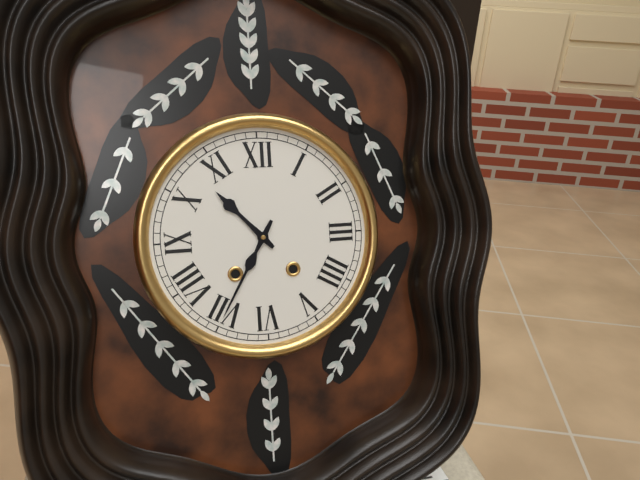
10:35
